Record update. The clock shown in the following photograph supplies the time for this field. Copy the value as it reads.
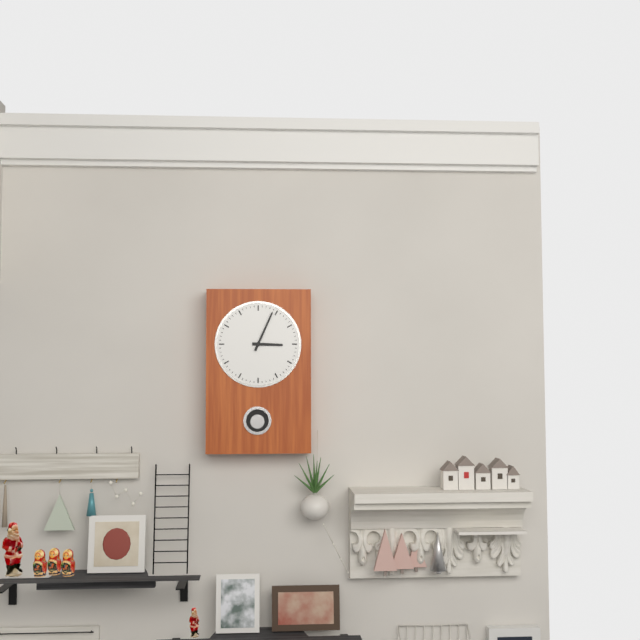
3:04
